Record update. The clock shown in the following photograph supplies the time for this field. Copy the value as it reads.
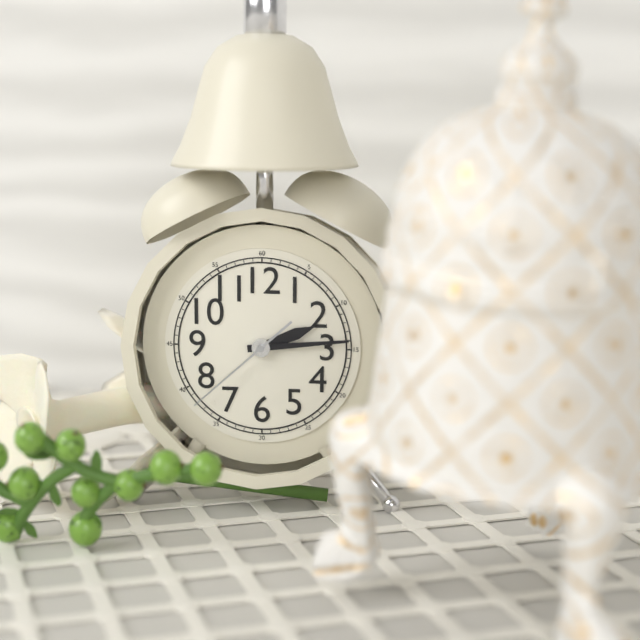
2:14:38
